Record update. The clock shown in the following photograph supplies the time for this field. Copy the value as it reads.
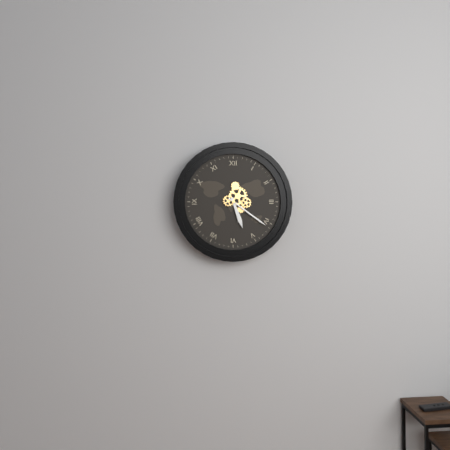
5:21
